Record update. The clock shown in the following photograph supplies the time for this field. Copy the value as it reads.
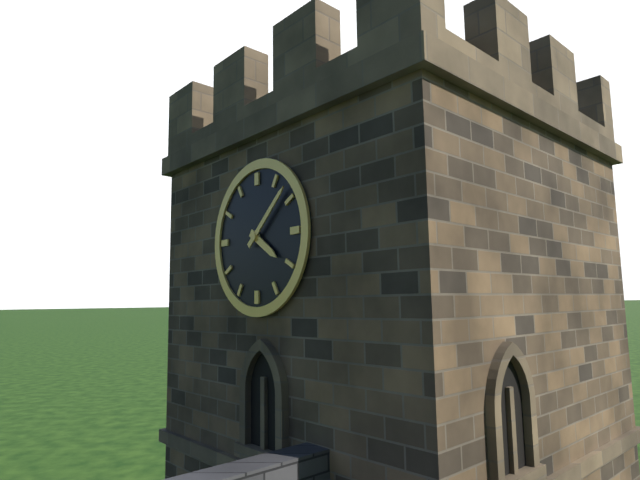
4:08
